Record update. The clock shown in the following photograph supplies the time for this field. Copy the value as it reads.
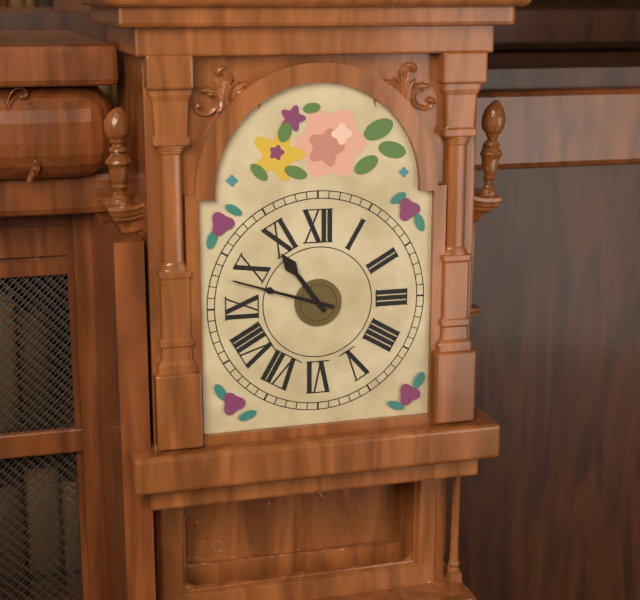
10:48
